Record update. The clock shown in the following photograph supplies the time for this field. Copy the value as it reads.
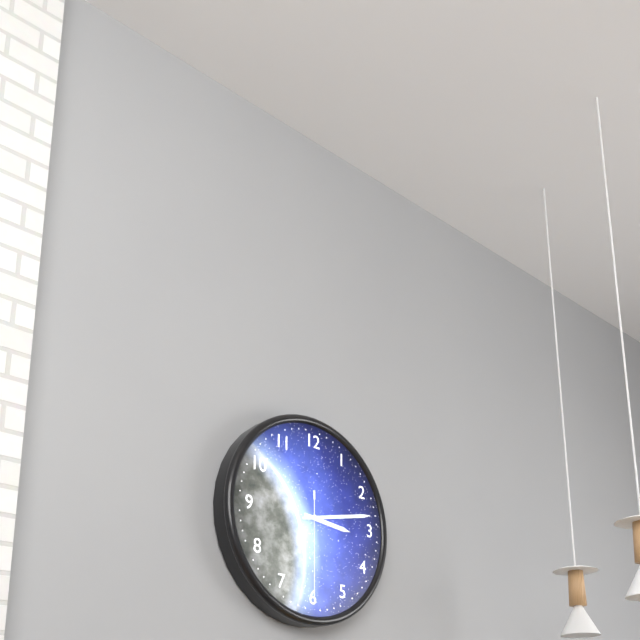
3:13:30
